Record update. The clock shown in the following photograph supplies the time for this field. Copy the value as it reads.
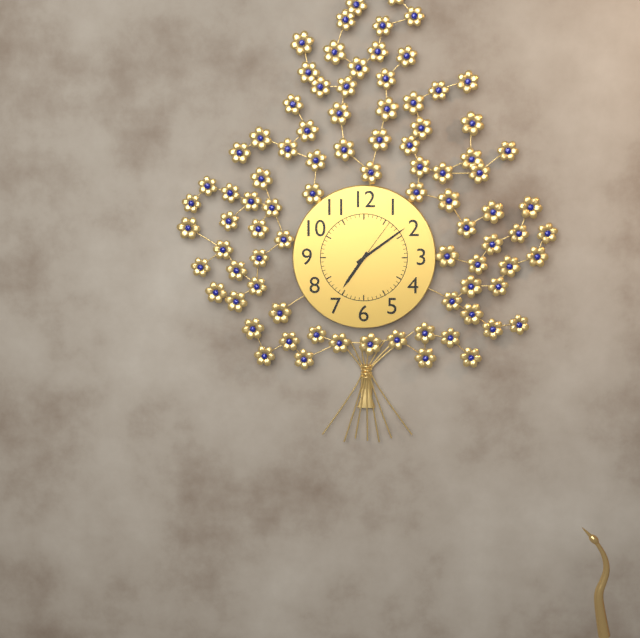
7:09:06
